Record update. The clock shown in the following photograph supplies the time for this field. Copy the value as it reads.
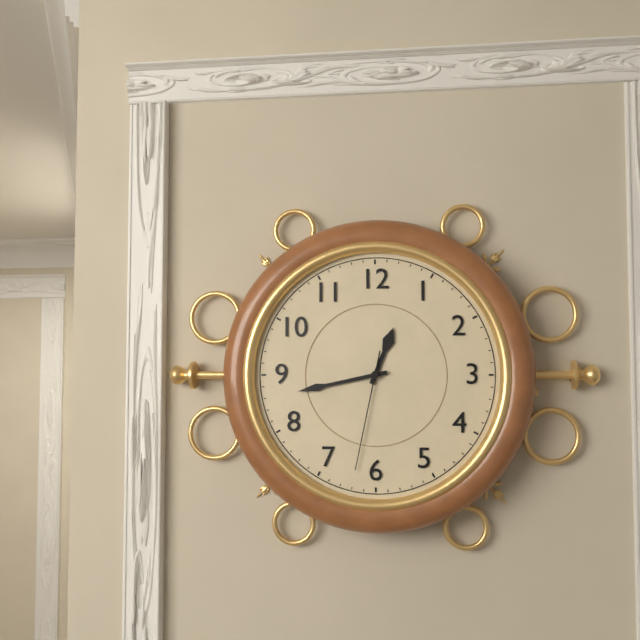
12:43:32
